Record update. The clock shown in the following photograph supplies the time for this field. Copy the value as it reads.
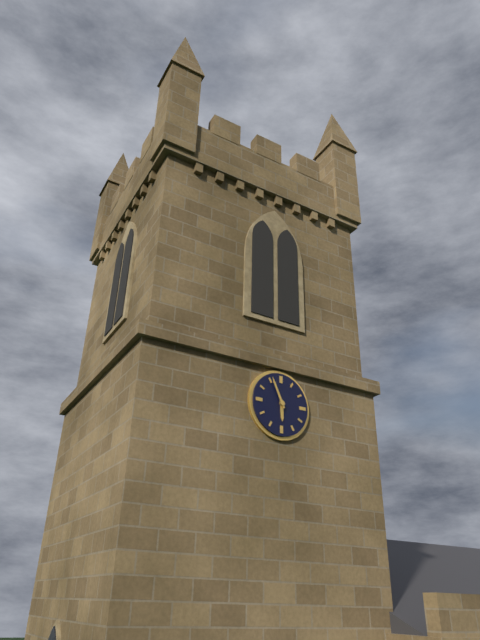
5:56
